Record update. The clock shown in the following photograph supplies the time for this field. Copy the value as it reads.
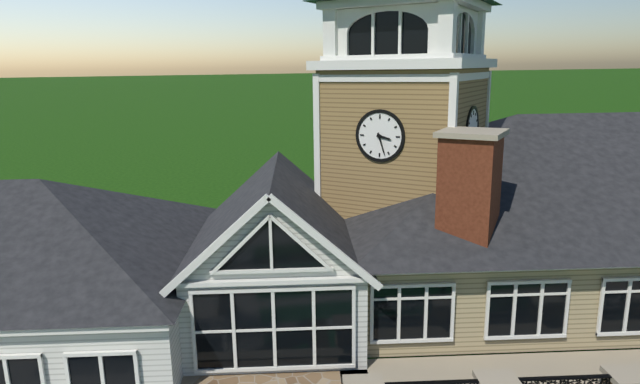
3:27
